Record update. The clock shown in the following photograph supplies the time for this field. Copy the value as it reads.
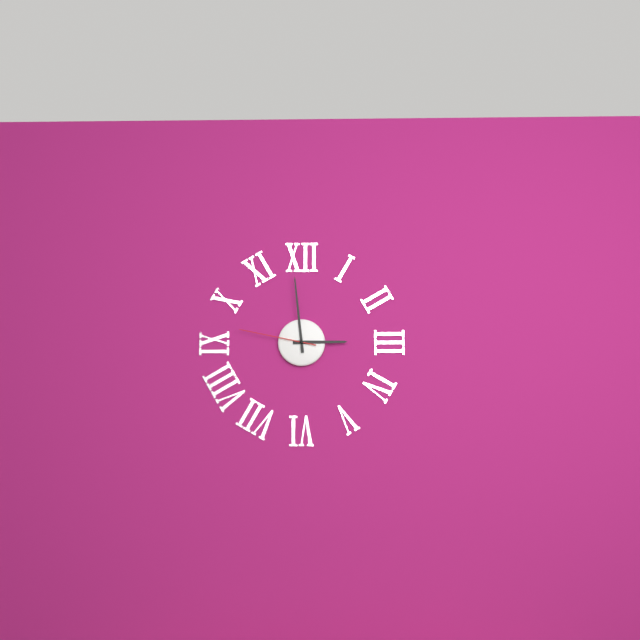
2:59:47
